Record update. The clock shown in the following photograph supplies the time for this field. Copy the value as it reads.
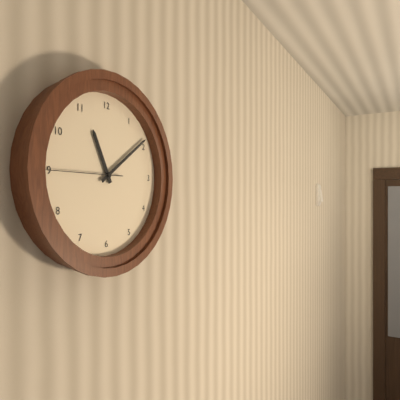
11:09:45
